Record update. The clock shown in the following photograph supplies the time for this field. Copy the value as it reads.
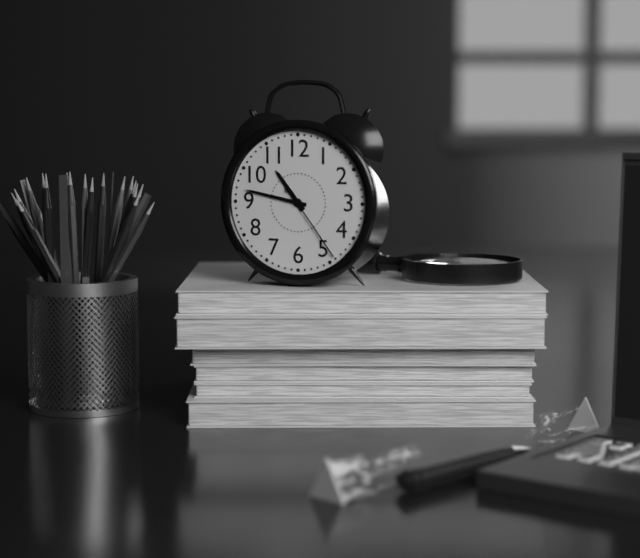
10:47:24
